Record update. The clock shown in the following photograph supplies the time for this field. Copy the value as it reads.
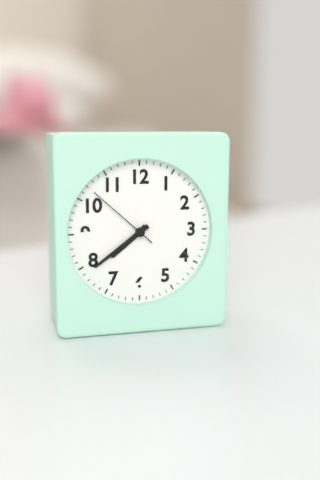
7:39:52
